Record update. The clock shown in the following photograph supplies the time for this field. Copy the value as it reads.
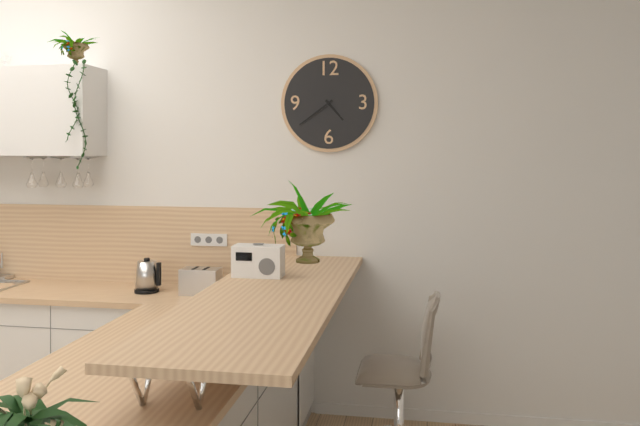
4:39
